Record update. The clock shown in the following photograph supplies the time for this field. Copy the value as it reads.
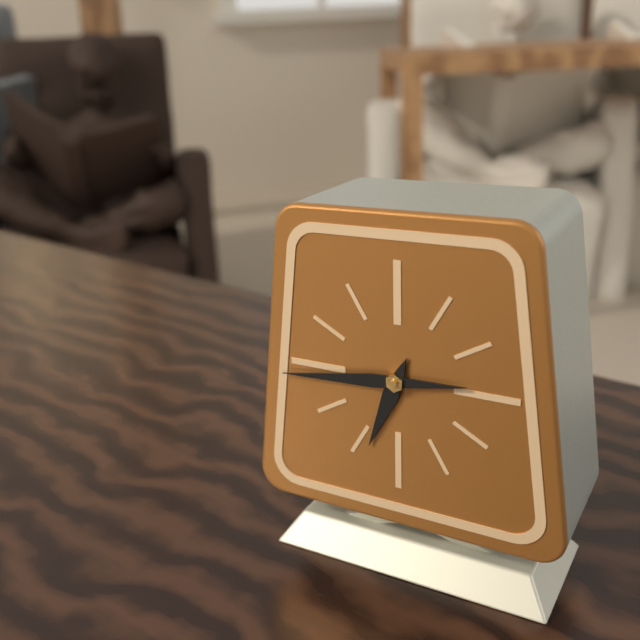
6:44
